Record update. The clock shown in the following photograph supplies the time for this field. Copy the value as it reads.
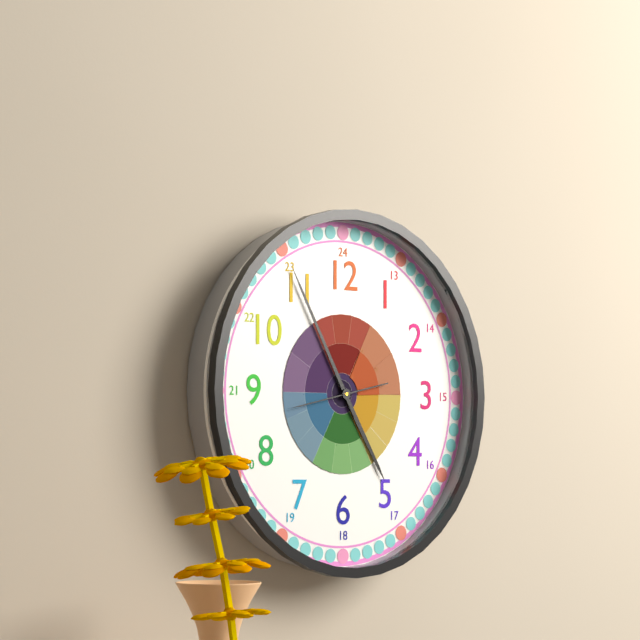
4:55
